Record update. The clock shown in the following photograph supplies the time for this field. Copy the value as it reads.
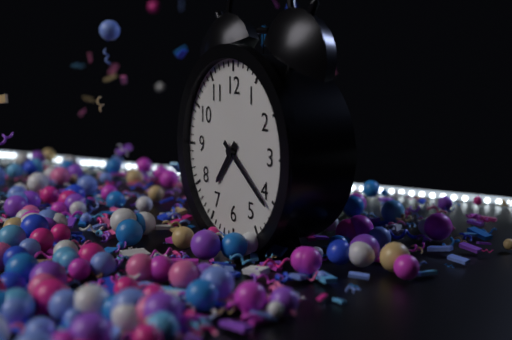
7:21
